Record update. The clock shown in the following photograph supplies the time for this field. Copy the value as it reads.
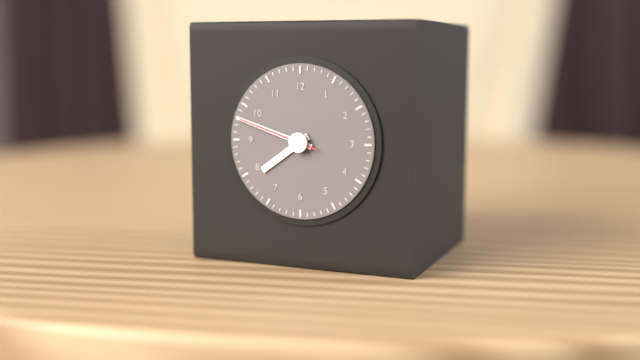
7:48:48
